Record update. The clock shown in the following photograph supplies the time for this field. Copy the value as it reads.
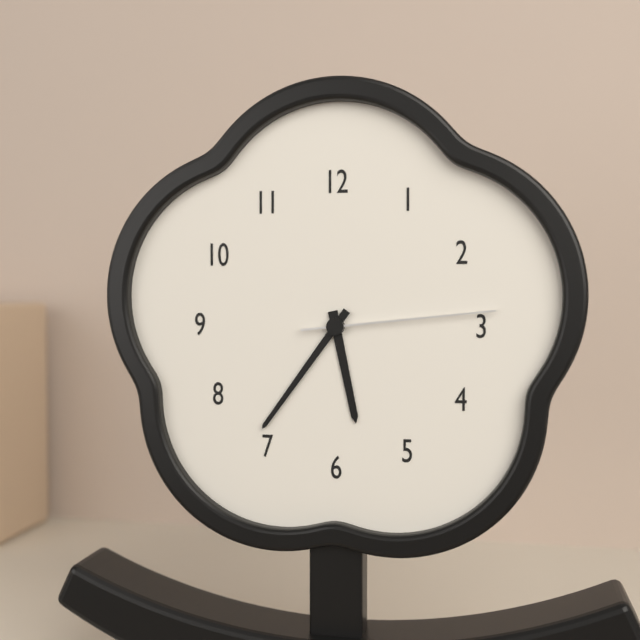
5:36:14
